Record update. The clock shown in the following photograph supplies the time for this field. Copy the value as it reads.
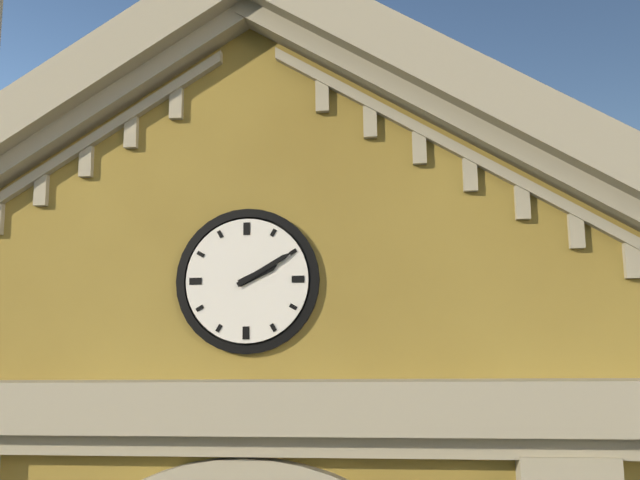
2:10
